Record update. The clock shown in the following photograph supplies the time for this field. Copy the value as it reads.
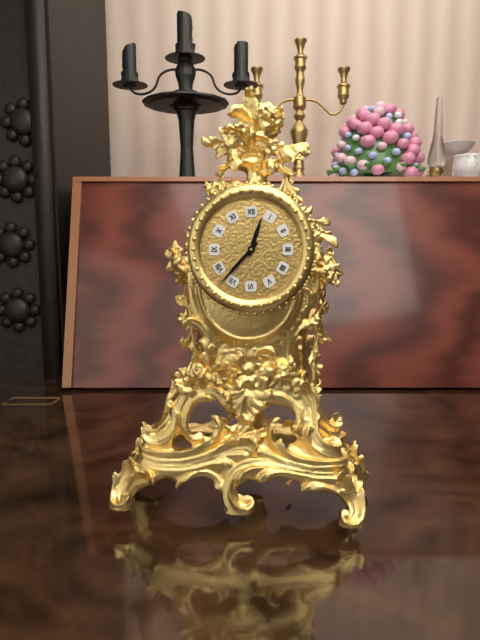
12:37
